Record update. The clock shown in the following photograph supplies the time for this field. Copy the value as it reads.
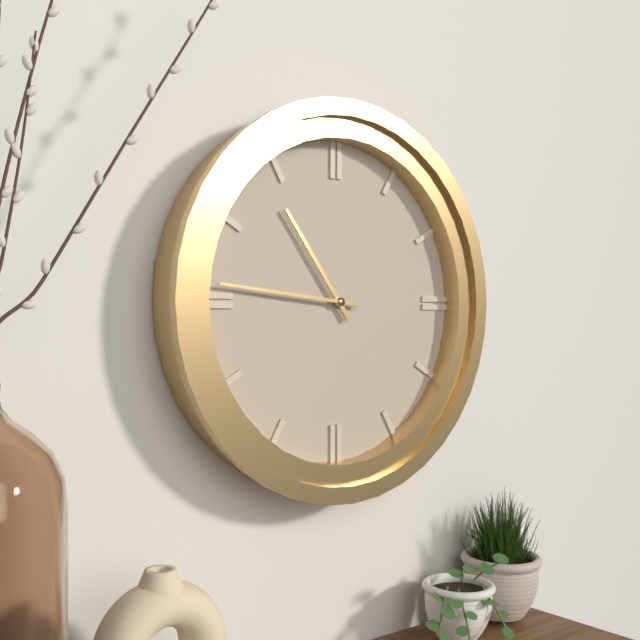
10:46
